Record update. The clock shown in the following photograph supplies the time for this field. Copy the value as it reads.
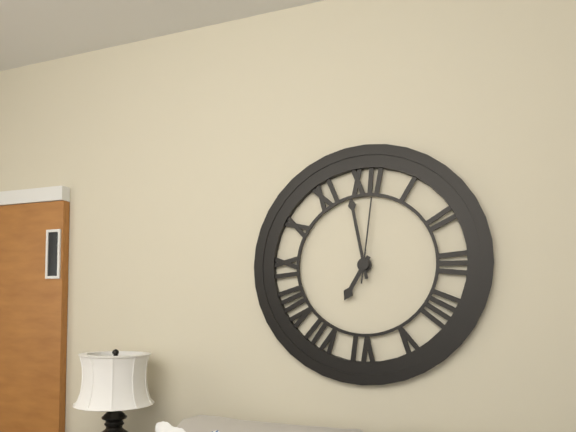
6:58:01
